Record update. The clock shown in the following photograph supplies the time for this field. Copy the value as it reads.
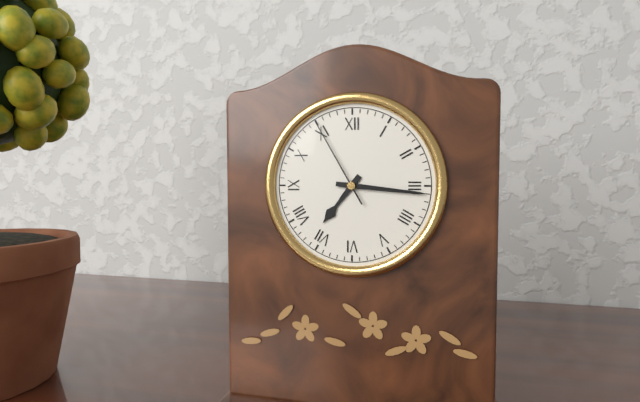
7:16:55
